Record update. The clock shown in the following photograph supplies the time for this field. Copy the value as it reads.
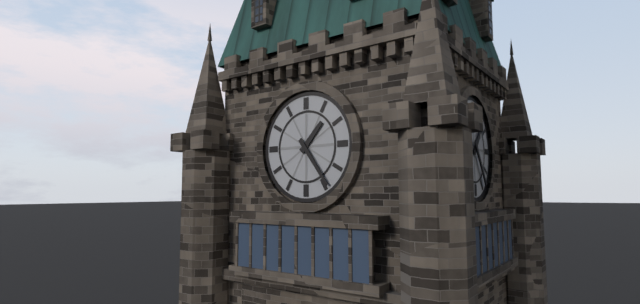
1:24
